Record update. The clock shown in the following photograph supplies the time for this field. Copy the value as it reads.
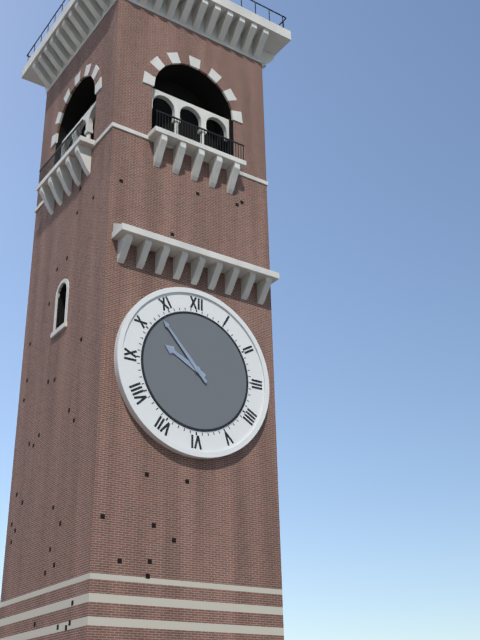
9:53
